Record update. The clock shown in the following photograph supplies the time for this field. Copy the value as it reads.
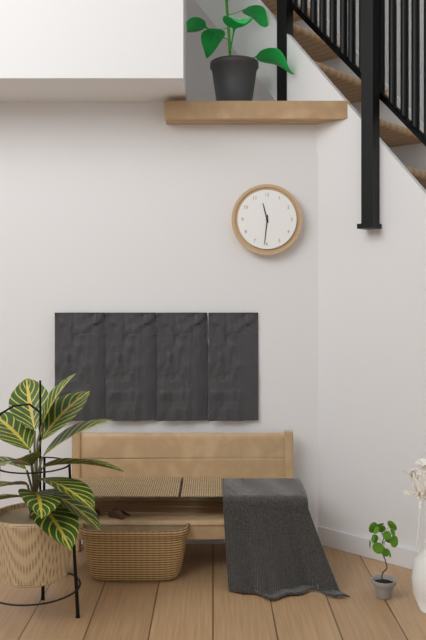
11:31
